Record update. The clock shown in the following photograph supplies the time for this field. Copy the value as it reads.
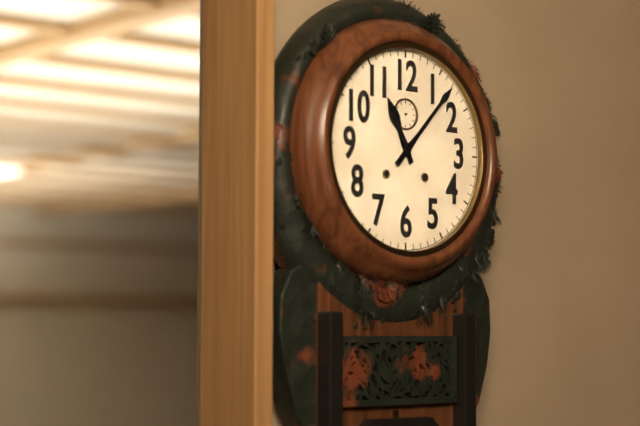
11:07
